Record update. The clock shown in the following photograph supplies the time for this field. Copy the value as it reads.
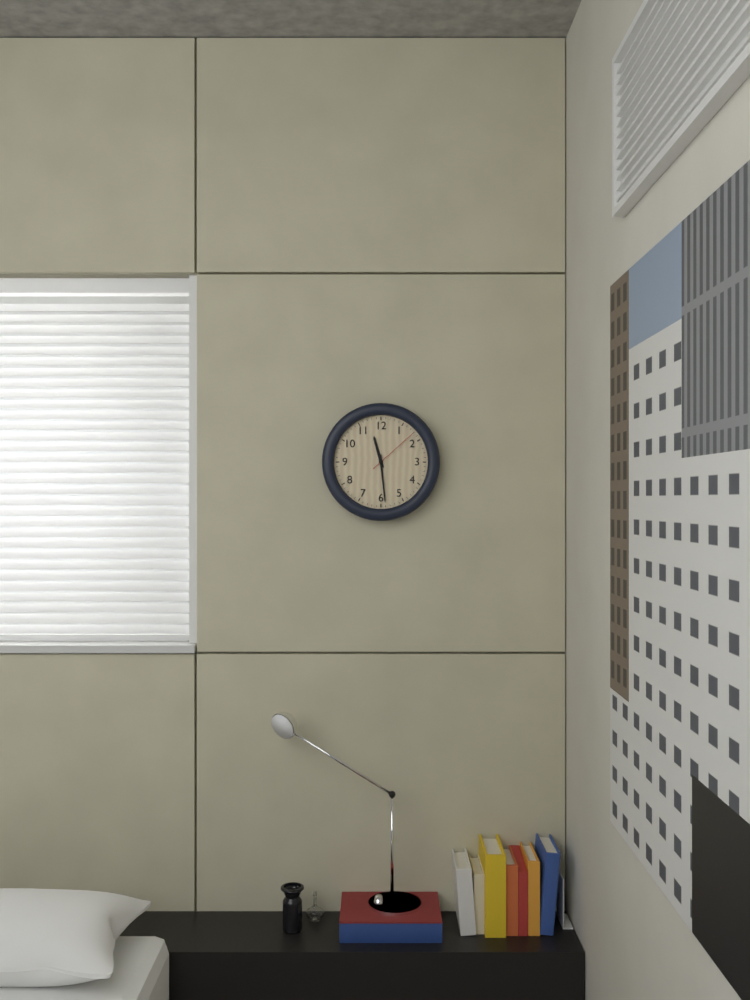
11:29:08
